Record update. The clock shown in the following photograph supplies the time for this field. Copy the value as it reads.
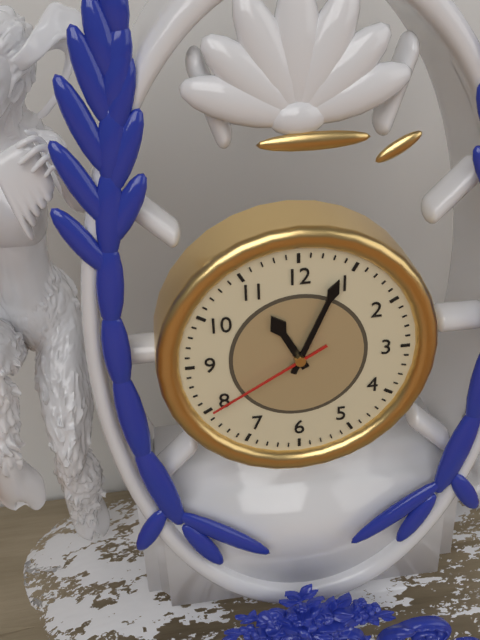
11:04:40
